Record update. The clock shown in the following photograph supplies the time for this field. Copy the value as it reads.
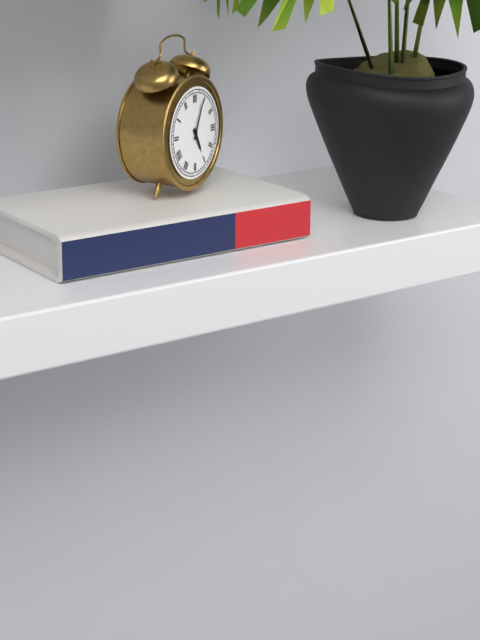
5:04
